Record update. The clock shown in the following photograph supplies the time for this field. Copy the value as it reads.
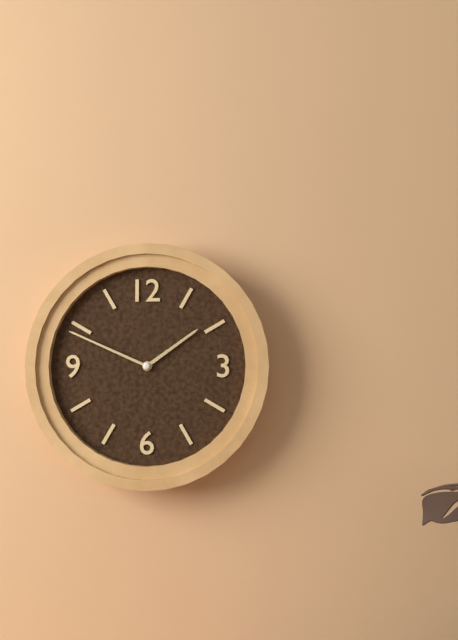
1:49
